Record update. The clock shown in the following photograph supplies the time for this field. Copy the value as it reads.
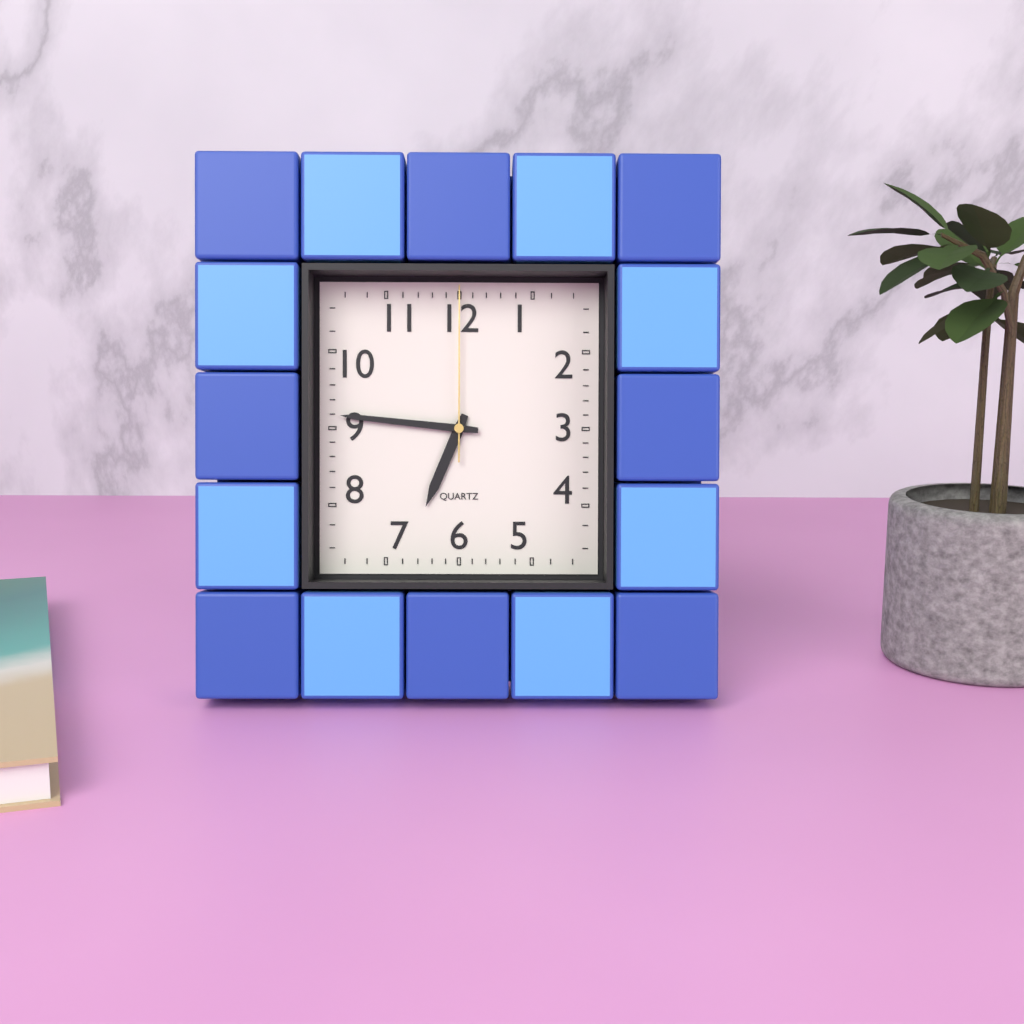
6:46:00
